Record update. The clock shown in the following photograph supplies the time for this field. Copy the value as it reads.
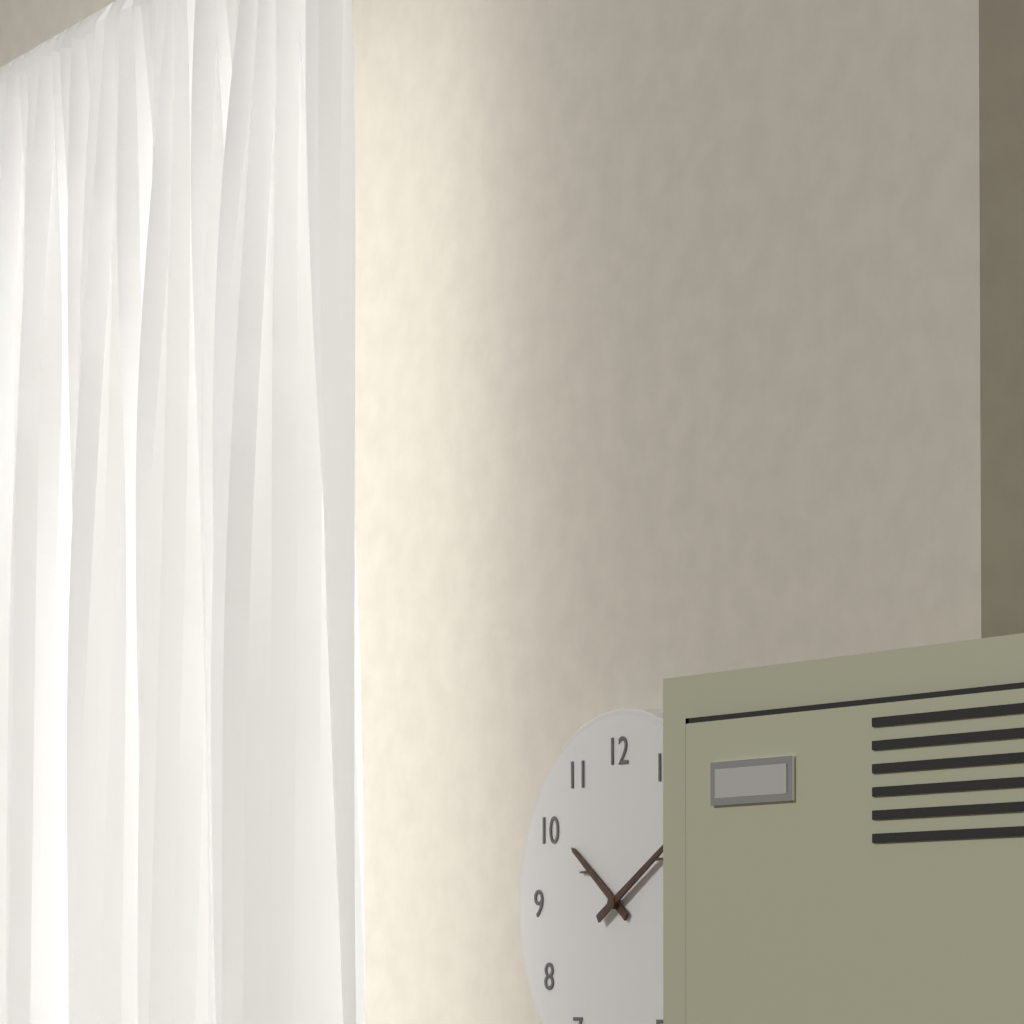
10:10
